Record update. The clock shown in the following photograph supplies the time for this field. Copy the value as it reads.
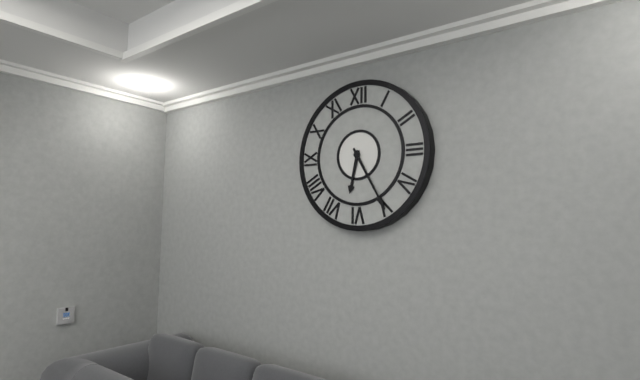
6:25
